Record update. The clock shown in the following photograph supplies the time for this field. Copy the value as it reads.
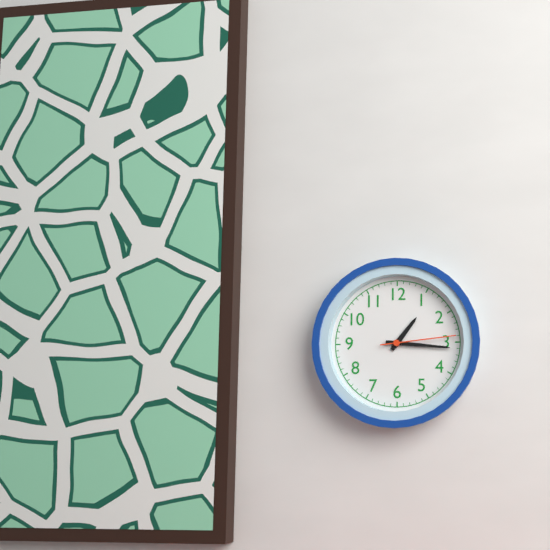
1:16:14
